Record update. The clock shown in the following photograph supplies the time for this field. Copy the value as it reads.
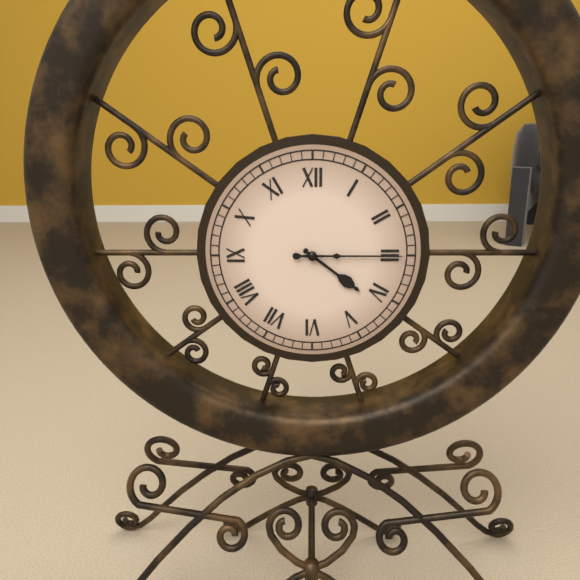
4:15
